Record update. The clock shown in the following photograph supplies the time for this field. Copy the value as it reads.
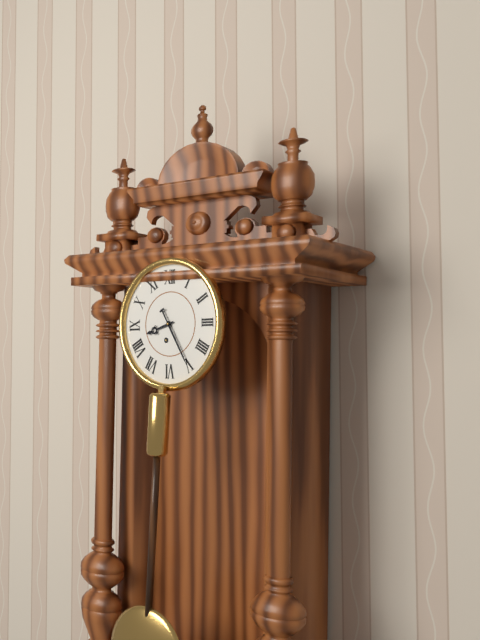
8:25
